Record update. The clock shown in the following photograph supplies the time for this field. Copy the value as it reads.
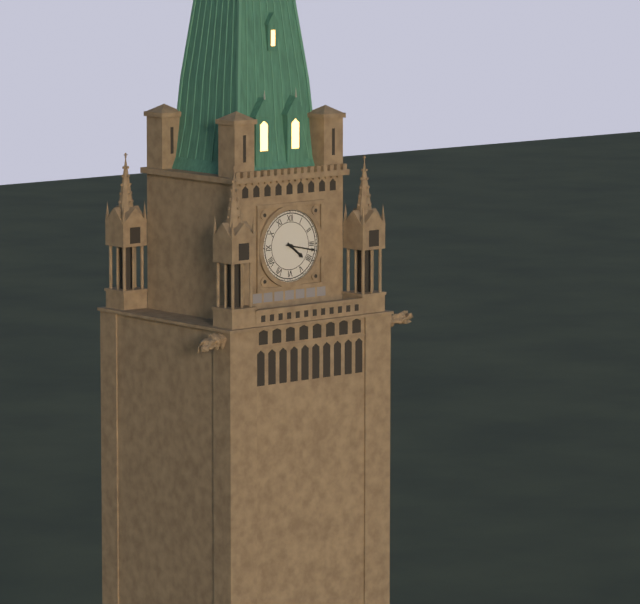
4:17
